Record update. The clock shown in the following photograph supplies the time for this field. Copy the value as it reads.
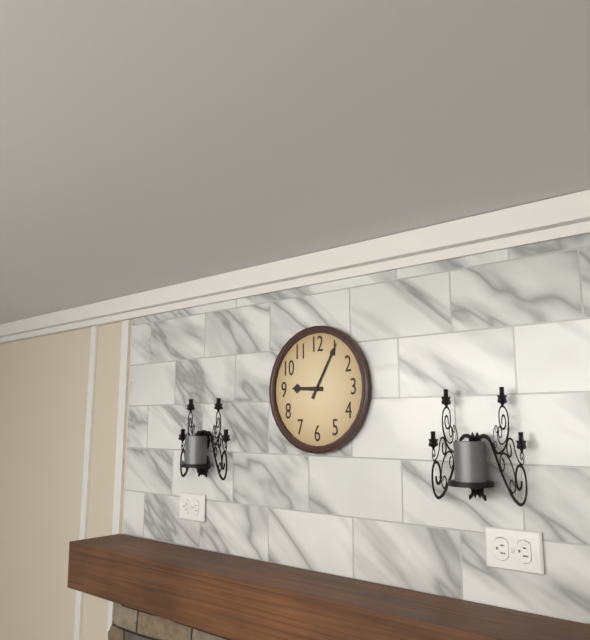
9:05
